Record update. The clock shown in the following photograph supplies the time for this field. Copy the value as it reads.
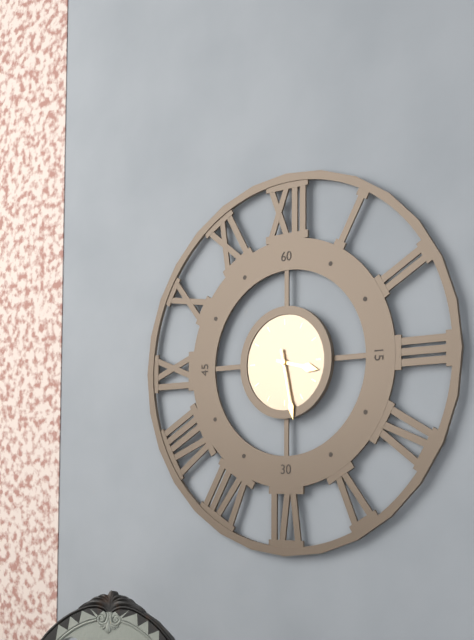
3:28
